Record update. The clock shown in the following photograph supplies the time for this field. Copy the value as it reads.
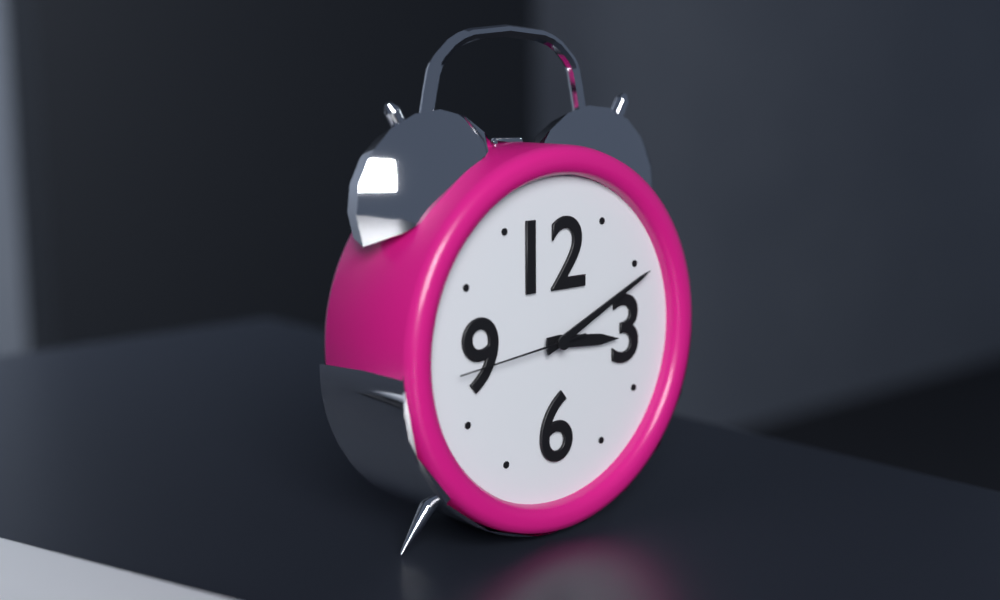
3:11:44
